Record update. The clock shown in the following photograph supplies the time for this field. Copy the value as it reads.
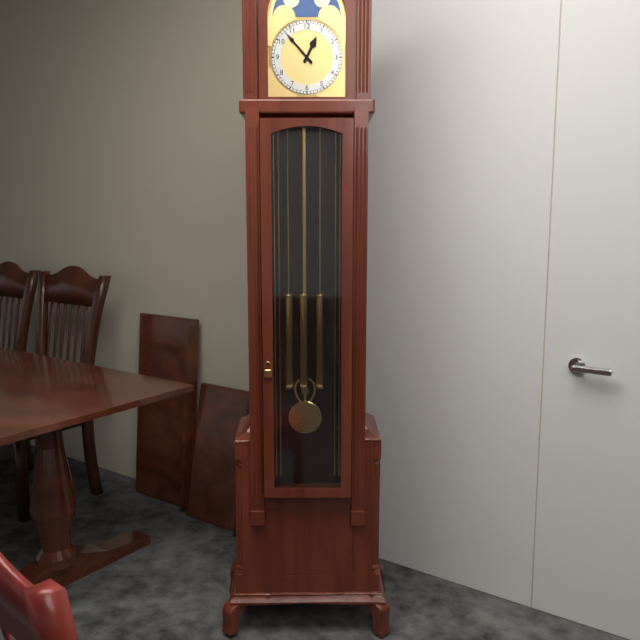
12:53
